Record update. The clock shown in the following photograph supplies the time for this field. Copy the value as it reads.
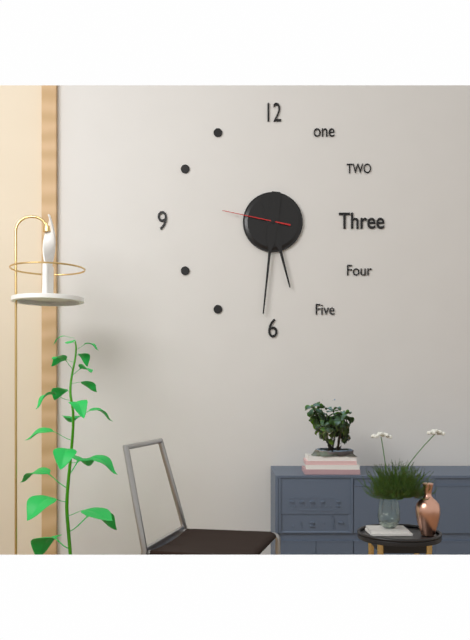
5:31:47
